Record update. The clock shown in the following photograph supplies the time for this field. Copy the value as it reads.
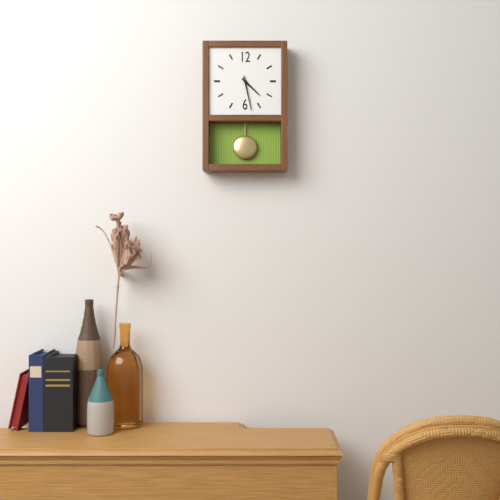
4:28
